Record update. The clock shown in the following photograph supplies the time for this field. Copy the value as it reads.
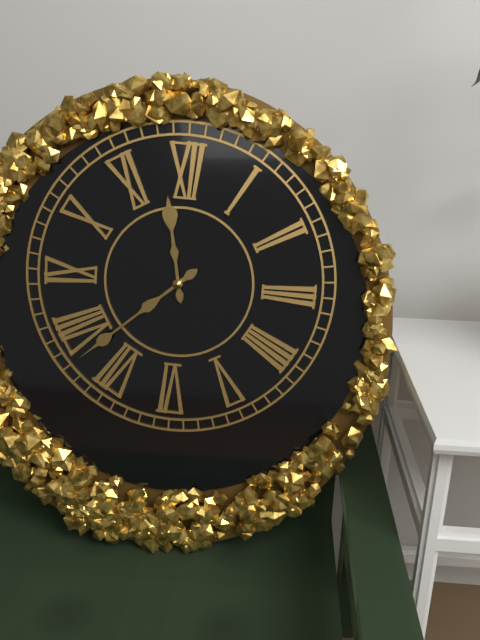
11:38
